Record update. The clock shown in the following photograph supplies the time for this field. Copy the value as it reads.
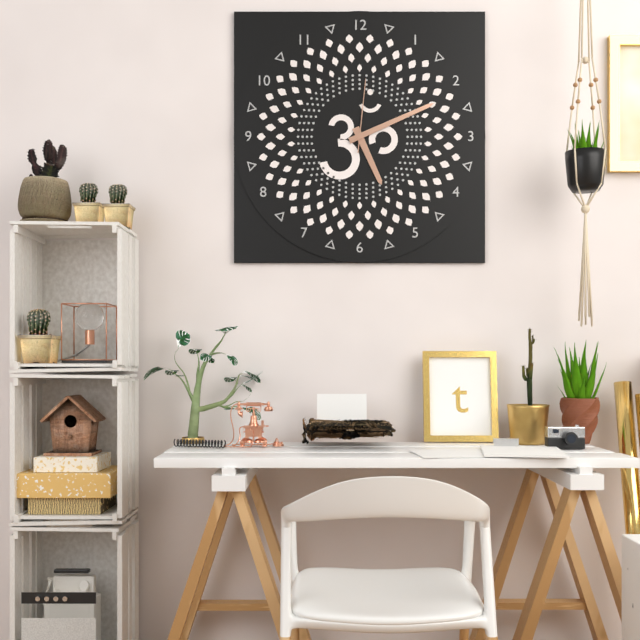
5:11:01
